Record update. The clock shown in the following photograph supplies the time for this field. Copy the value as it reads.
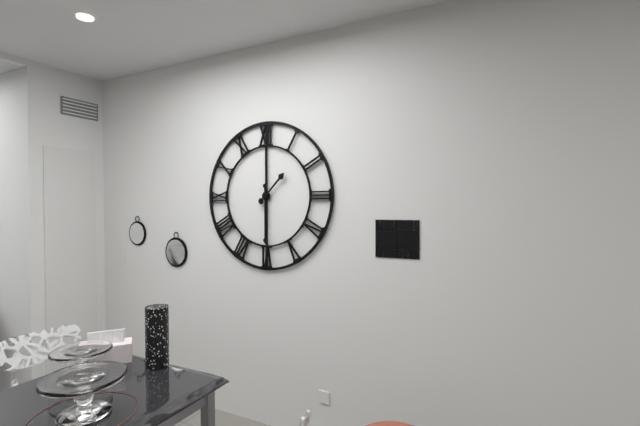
1:30
